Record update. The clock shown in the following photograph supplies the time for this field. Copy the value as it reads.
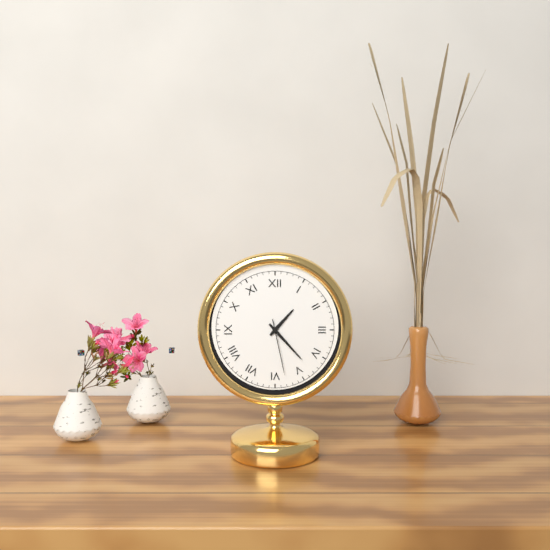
1:23:28
